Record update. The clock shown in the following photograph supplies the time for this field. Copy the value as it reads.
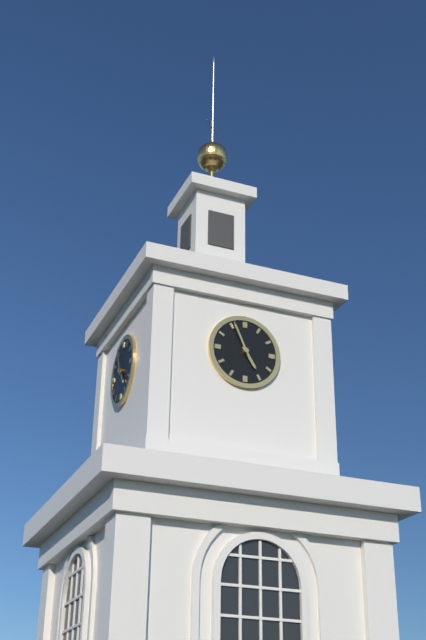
4:56
